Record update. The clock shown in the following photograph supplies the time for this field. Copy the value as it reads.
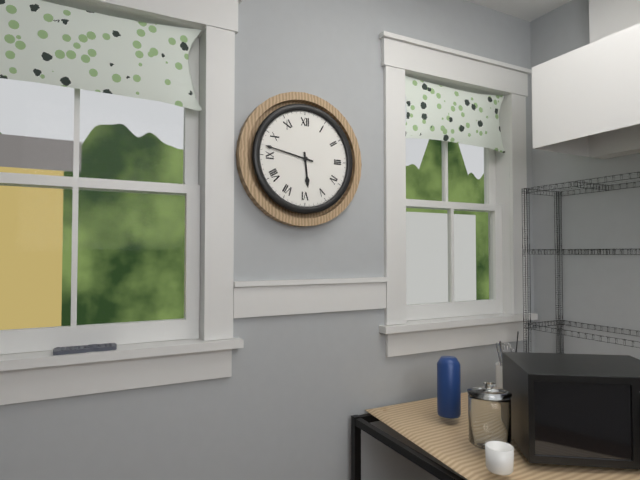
5:47
